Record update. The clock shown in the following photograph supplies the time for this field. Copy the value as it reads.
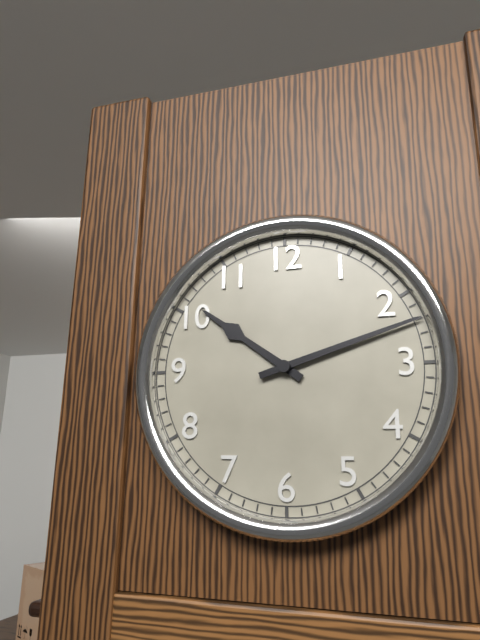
10:12
